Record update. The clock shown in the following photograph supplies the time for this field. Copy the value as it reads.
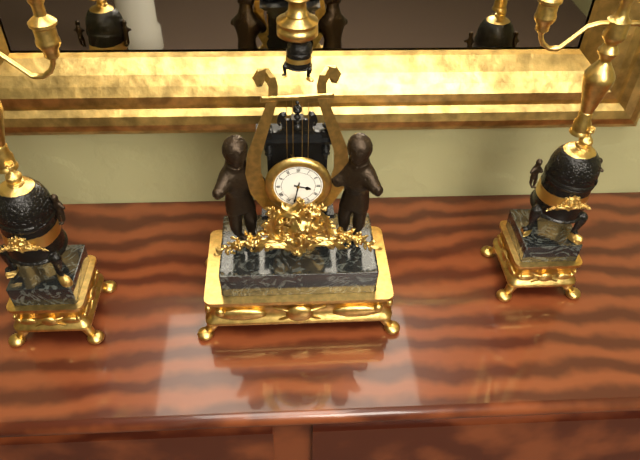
3:32
